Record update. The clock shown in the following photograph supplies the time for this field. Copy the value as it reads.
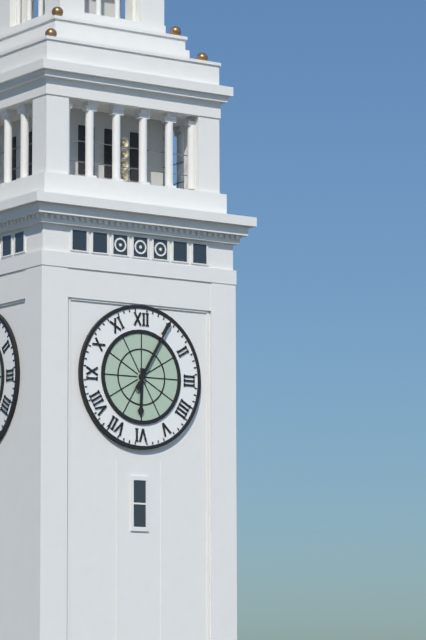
6:05
